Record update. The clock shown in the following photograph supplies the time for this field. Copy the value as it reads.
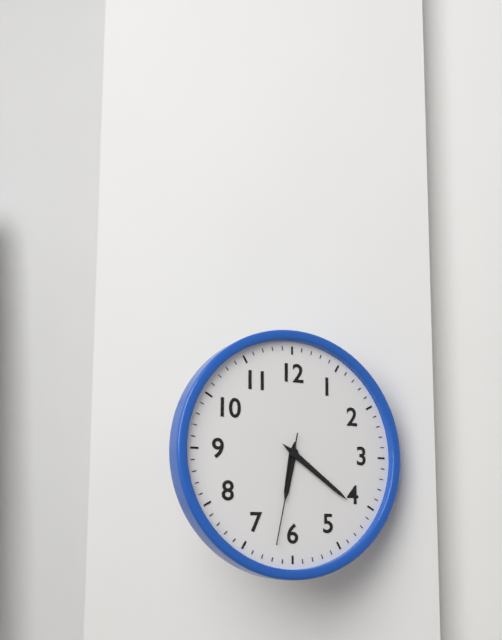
6:21:32
